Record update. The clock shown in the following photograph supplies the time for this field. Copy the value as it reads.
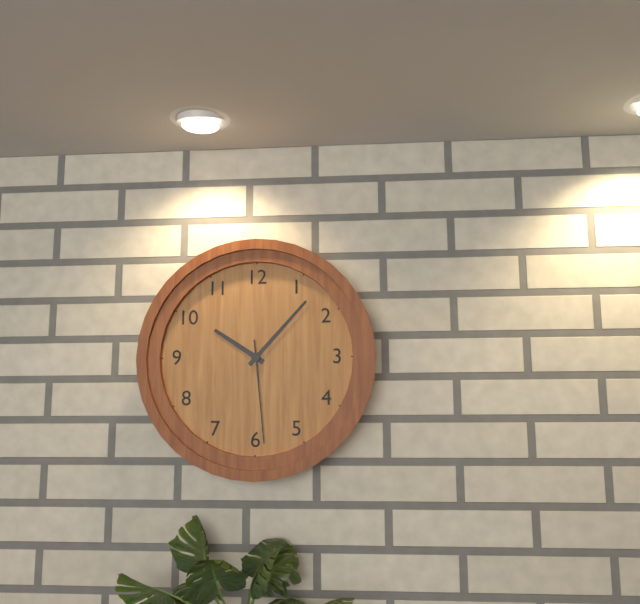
10:07:29
